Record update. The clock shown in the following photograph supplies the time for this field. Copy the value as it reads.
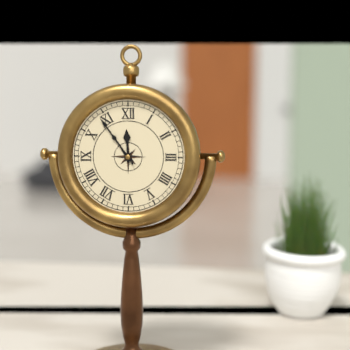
11:54
